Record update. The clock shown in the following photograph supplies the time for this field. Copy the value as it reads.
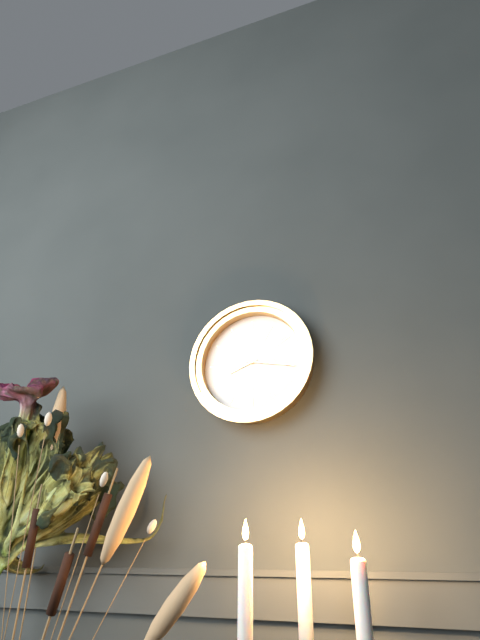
8:17
